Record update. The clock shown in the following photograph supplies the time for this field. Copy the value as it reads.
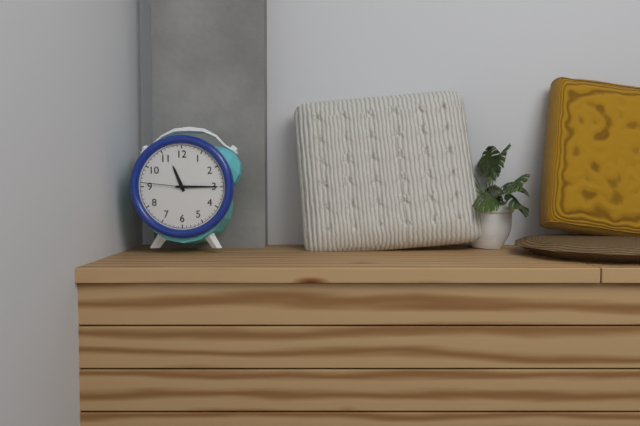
11:15:46
